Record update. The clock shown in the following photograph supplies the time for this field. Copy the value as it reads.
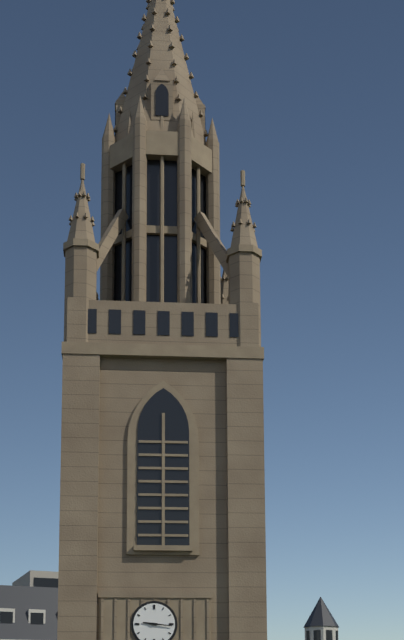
9:16
